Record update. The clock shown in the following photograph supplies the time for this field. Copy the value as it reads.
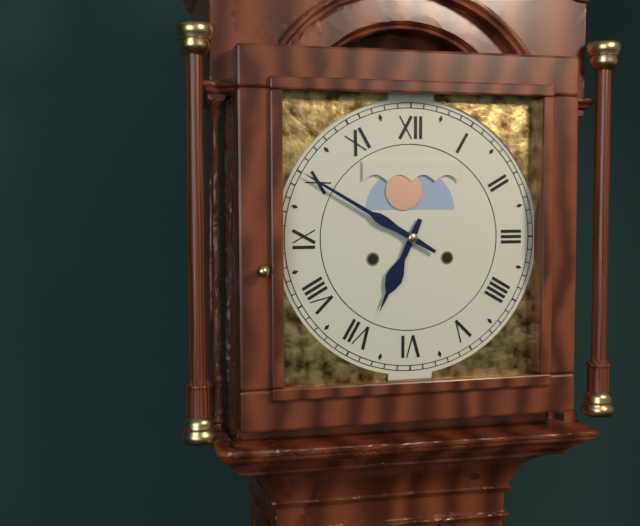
6:50
